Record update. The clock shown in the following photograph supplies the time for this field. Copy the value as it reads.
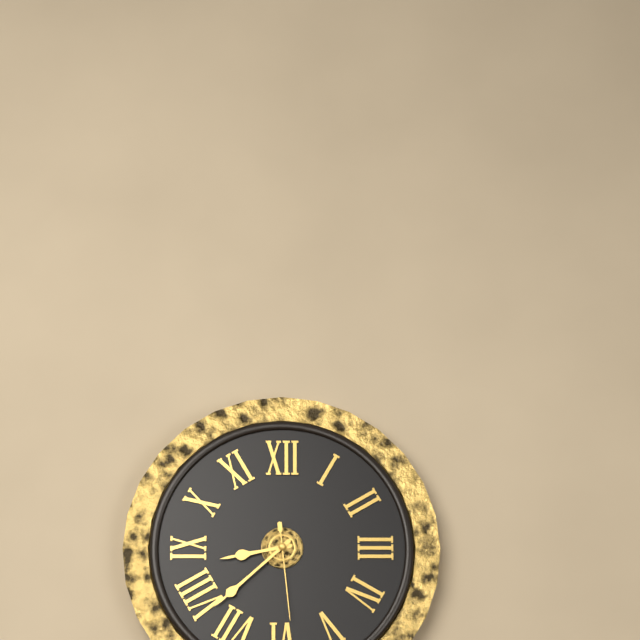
8:38:29
